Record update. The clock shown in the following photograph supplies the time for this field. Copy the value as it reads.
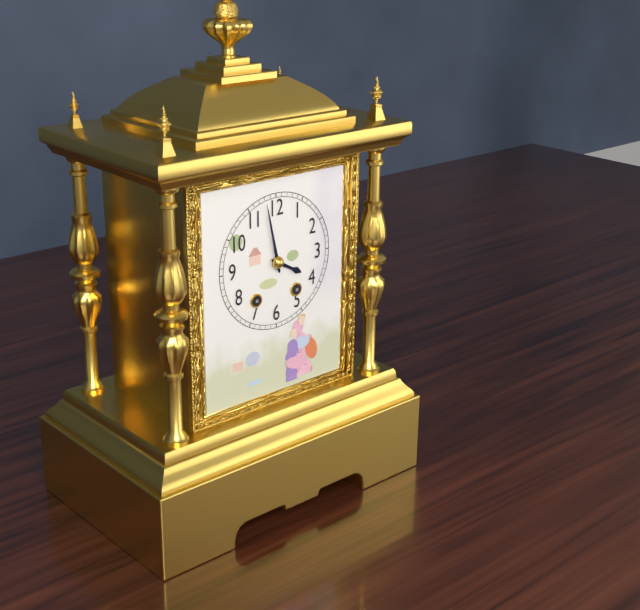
3:58
